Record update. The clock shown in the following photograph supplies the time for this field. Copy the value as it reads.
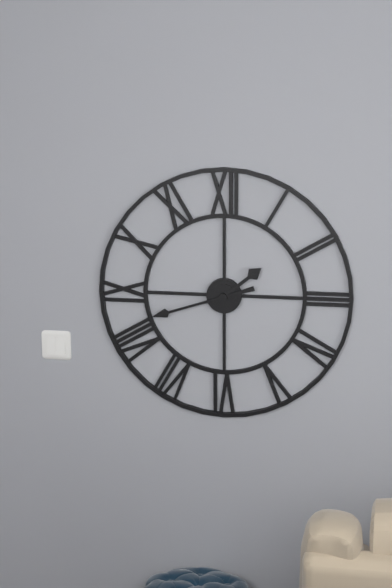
1:42
